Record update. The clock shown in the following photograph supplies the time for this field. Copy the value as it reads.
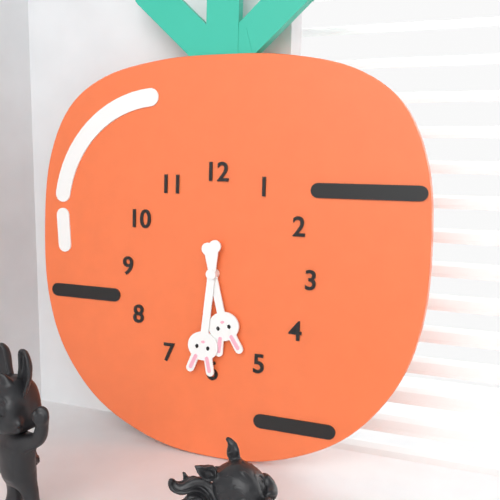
5:31
